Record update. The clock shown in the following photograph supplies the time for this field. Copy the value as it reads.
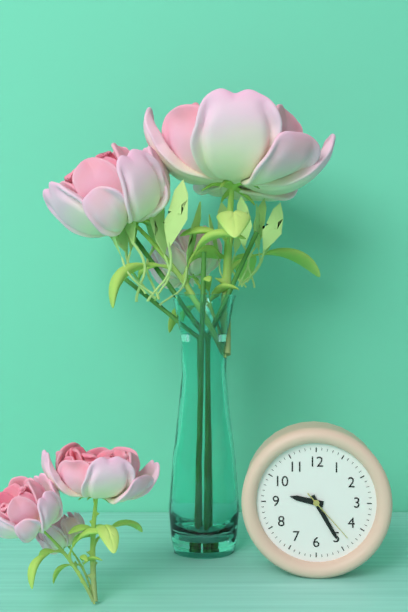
9:25:23
